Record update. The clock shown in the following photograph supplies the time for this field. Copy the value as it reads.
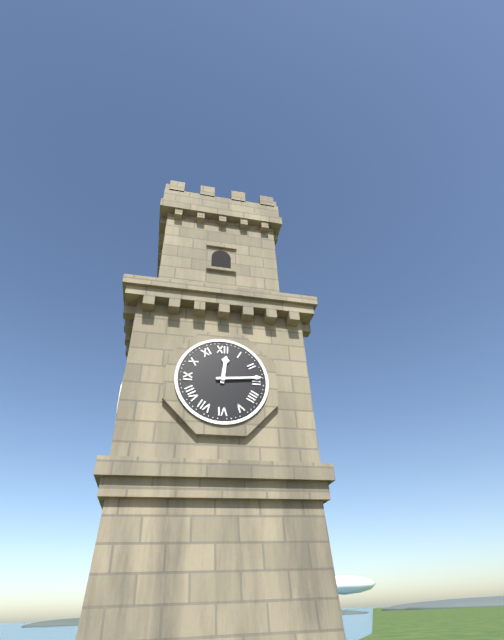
12:14
